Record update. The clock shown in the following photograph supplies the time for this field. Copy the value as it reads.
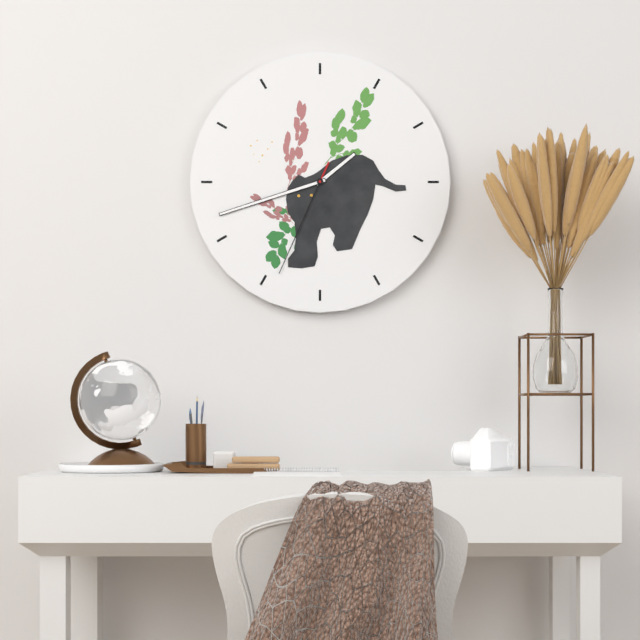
1:42:34
